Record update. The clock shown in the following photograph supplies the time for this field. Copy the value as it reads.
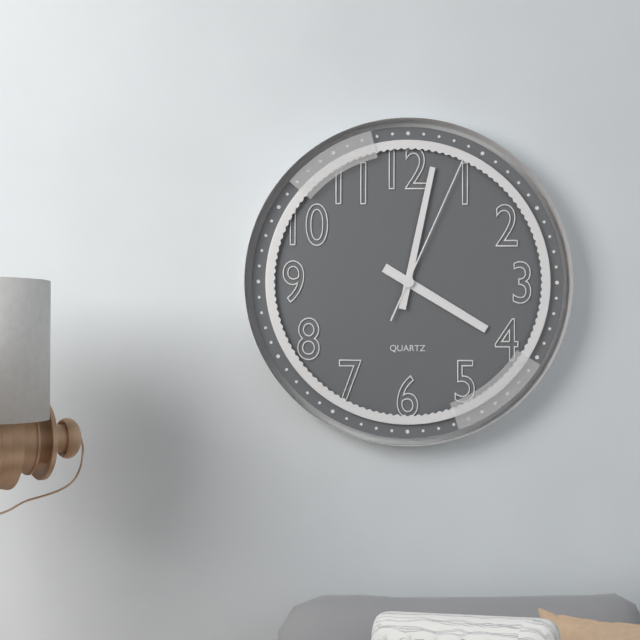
4:02:04
